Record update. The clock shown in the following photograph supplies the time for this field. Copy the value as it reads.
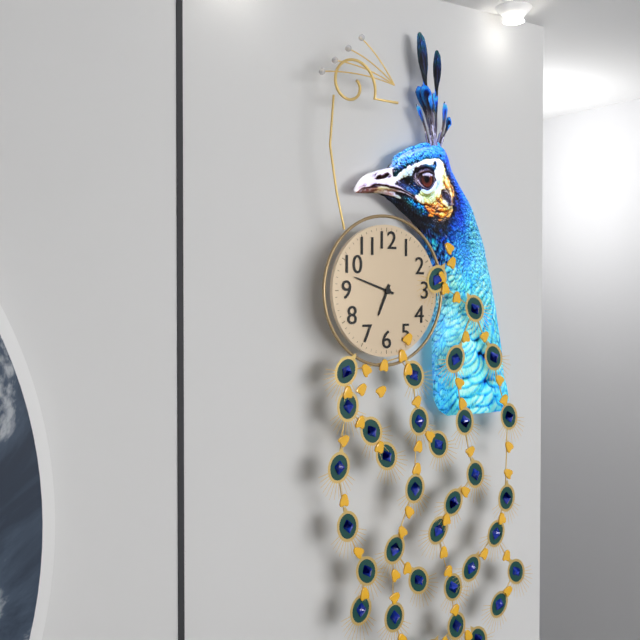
6:48
